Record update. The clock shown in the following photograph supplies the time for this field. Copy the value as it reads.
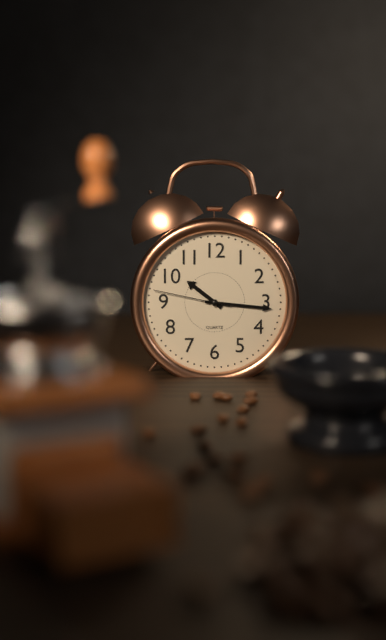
10:16:47
